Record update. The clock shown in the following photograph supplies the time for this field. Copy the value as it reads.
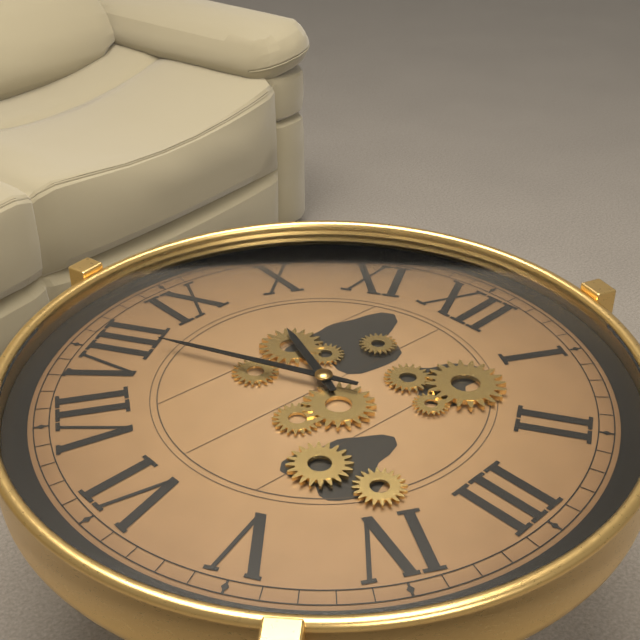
9:41
